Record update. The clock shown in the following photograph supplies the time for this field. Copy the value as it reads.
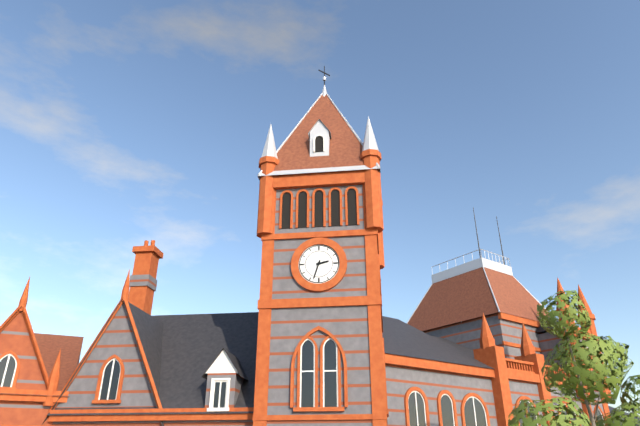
2:33
